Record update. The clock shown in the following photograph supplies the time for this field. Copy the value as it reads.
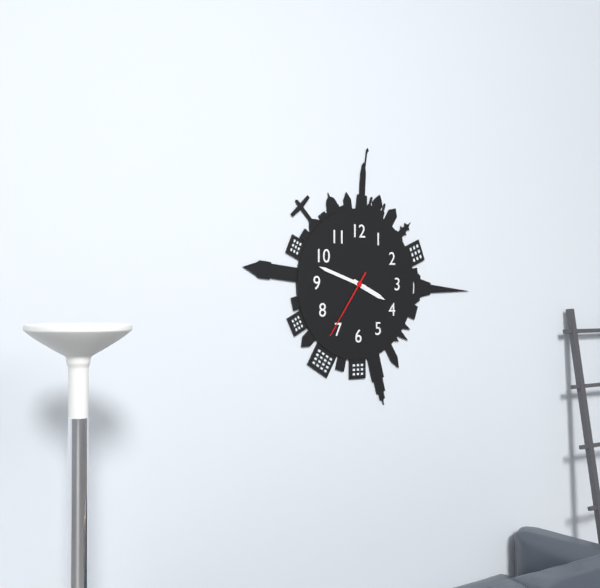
3:48:36
